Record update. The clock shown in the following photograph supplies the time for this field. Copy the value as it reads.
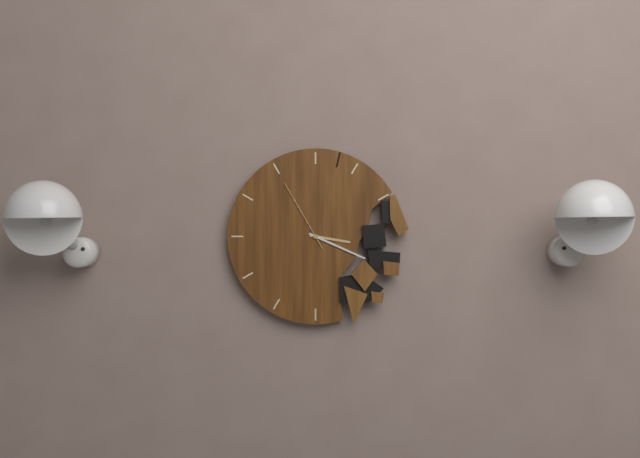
3:19:55
